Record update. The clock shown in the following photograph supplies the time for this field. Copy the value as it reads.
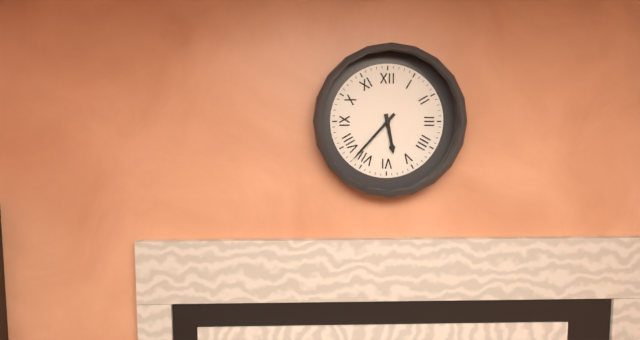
5:37
